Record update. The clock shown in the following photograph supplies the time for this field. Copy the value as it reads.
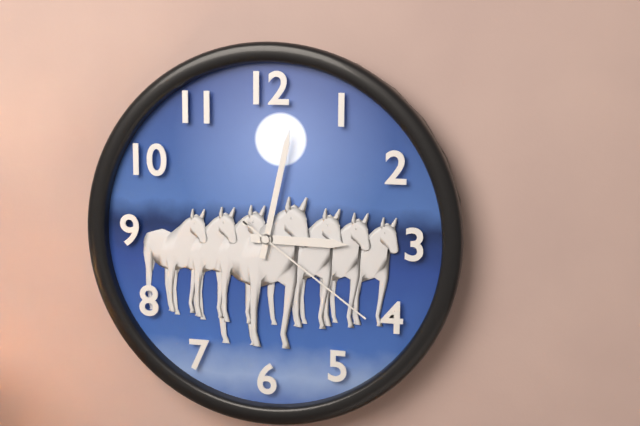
3:02:21
